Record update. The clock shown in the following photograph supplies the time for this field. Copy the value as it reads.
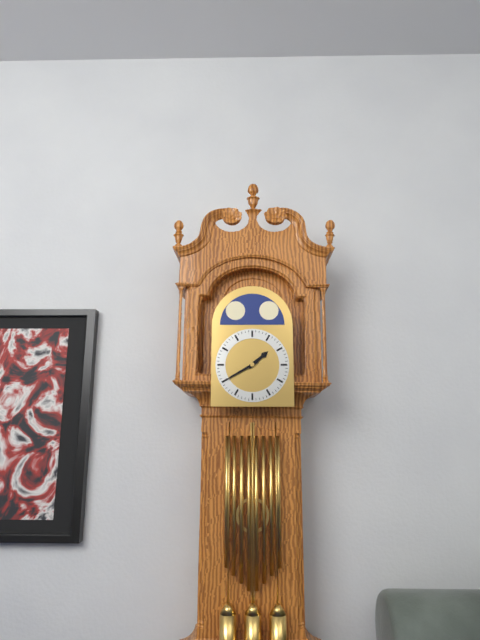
1:40
